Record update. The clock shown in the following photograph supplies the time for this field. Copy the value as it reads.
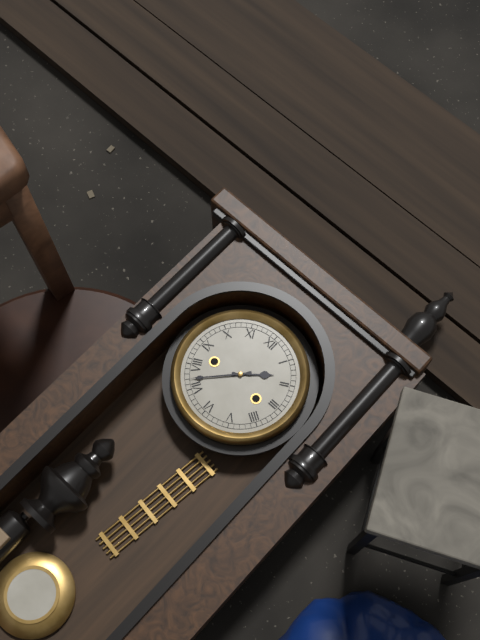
1:37
